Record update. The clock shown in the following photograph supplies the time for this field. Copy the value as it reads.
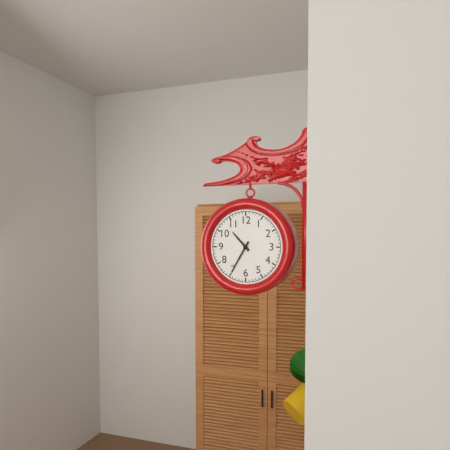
10:35
